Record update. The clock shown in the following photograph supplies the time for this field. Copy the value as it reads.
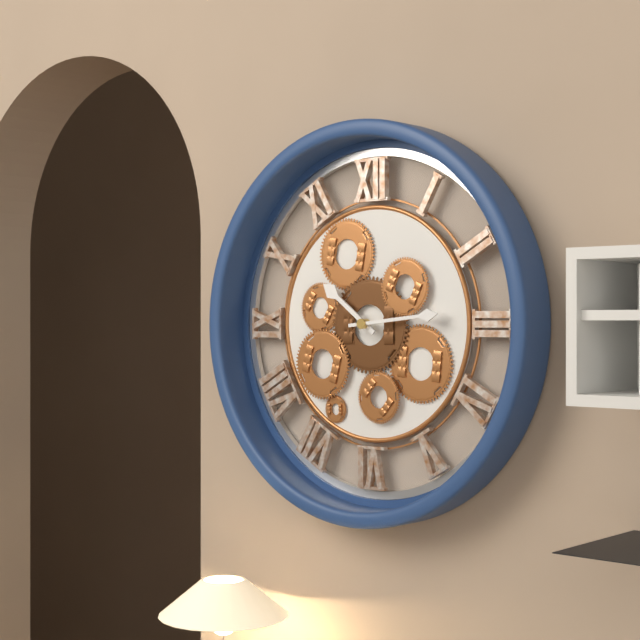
10:14
